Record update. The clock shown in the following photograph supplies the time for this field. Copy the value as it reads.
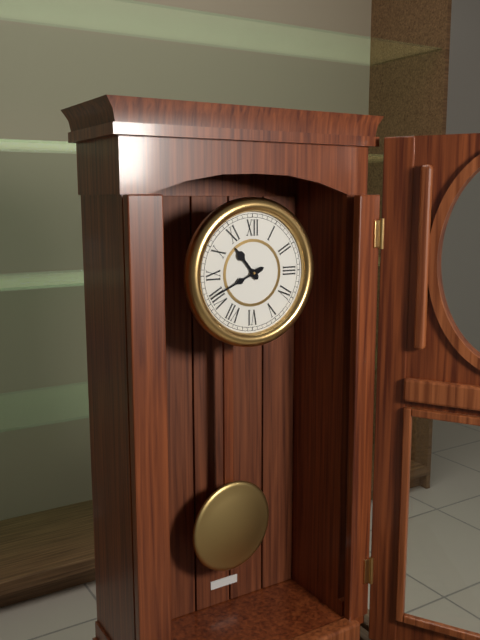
10:41
